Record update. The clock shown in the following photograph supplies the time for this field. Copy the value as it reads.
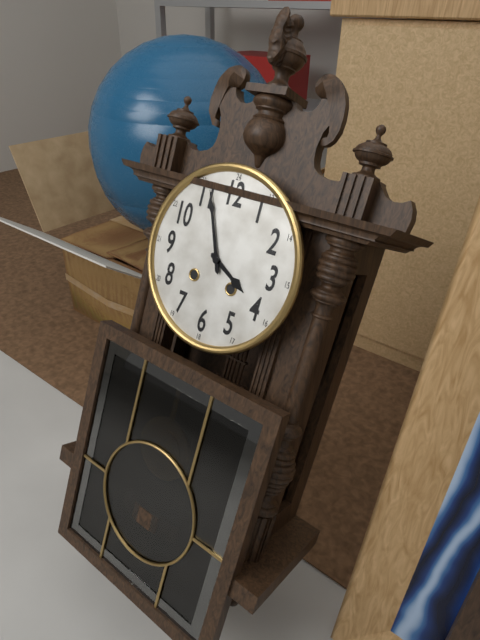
3:56
